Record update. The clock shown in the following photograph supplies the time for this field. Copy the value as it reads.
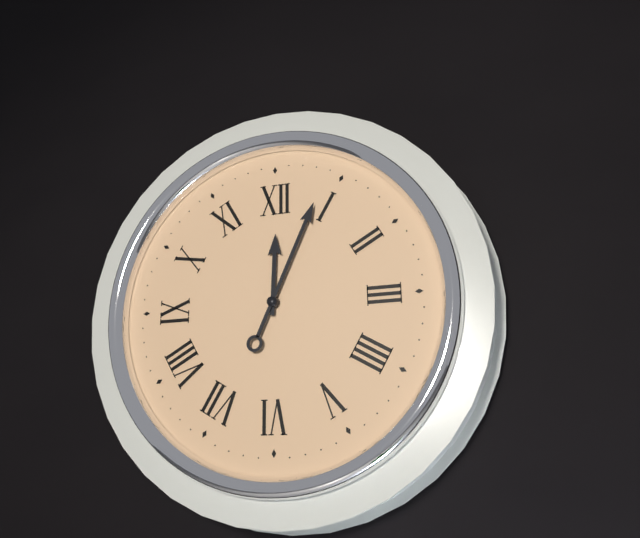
12:04
